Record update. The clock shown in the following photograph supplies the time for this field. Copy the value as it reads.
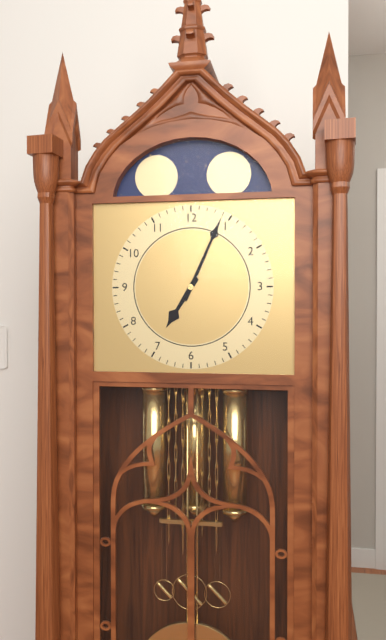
7:04
